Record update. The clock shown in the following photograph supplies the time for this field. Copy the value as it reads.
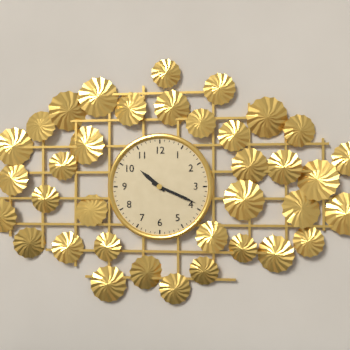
10:19
